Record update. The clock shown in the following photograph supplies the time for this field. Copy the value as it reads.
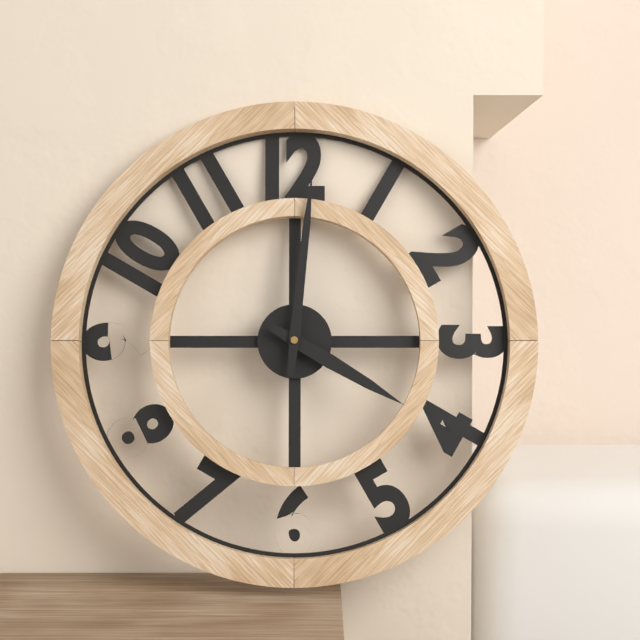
4:01
